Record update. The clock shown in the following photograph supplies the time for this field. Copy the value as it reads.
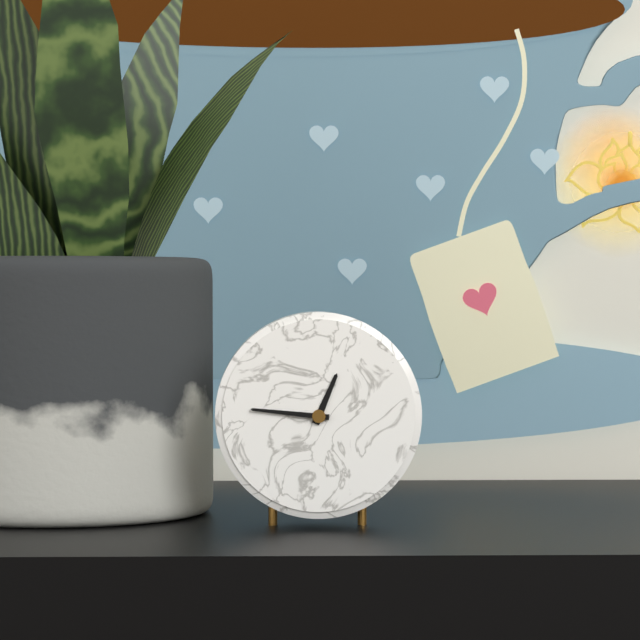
12:46
